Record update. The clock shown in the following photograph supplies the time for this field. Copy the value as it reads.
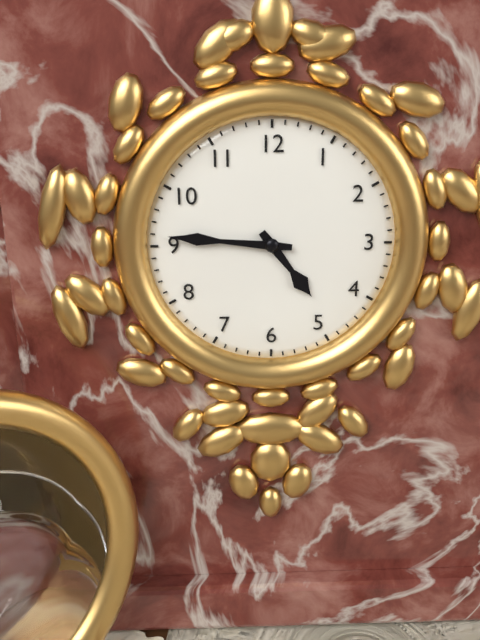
4:46
